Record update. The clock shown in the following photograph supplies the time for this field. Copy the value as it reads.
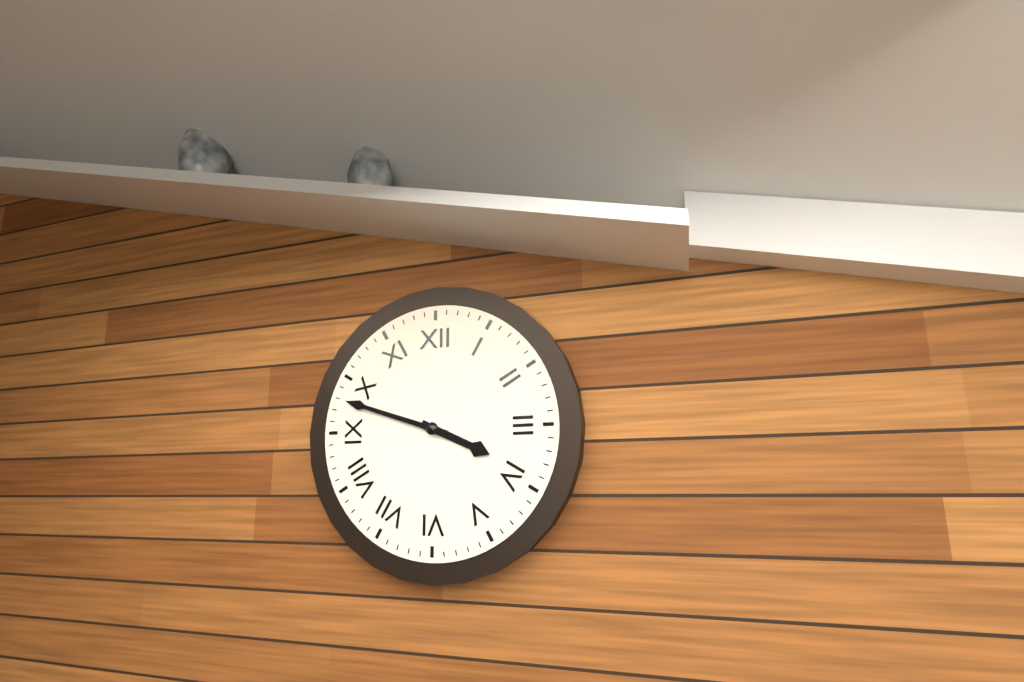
3:48
